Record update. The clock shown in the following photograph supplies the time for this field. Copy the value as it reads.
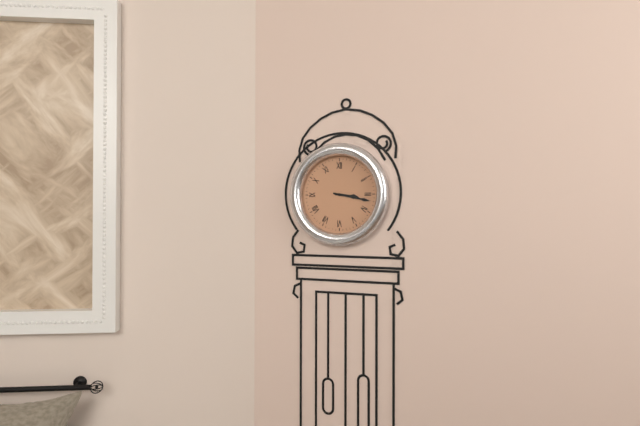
3:17
